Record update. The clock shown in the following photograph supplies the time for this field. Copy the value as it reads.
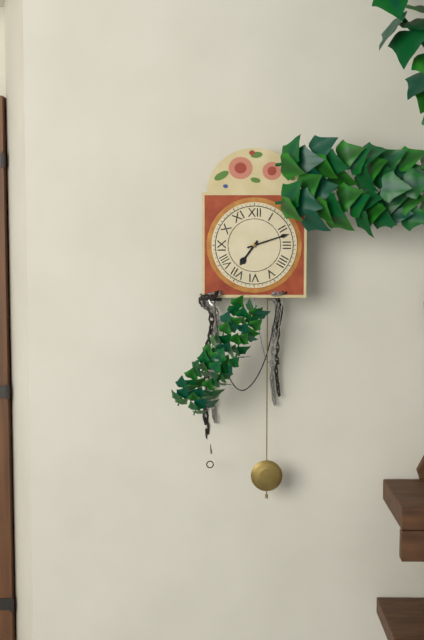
7:12
